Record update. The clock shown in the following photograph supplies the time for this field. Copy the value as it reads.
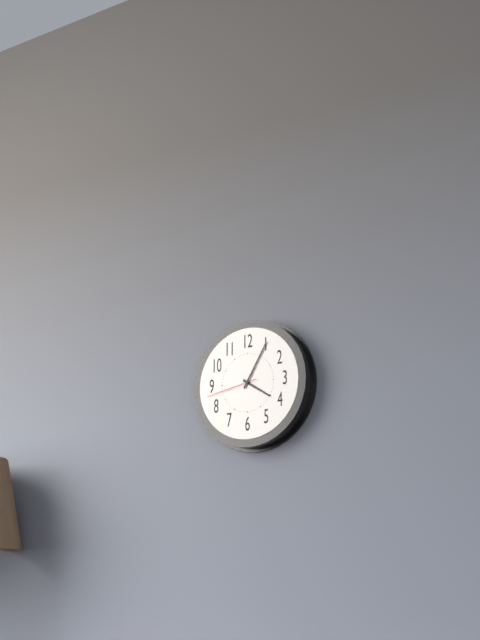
4:05:43
